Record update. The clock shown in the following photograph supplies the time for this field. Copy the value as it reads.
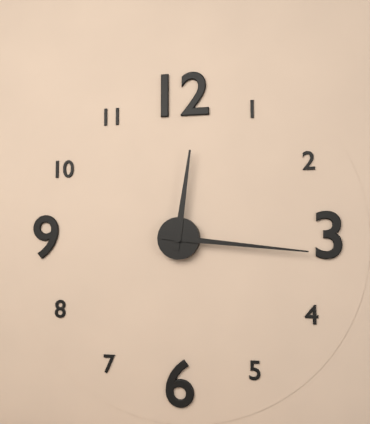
12:16
